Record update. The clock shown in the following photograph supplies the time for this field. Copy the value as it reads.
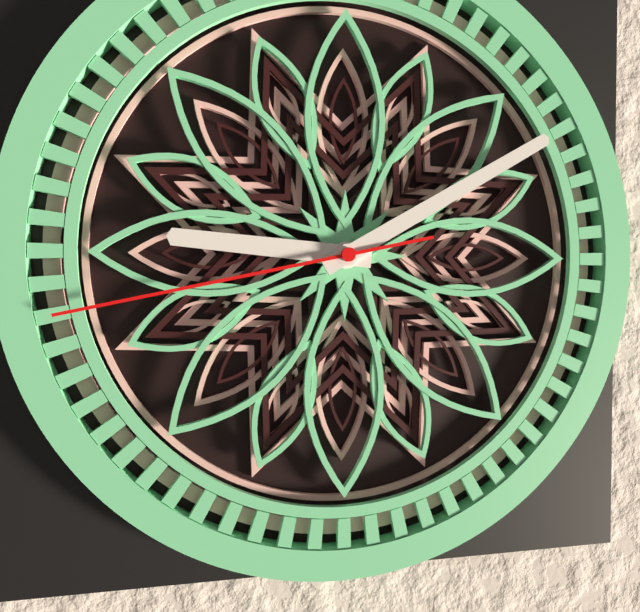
9:10:43
